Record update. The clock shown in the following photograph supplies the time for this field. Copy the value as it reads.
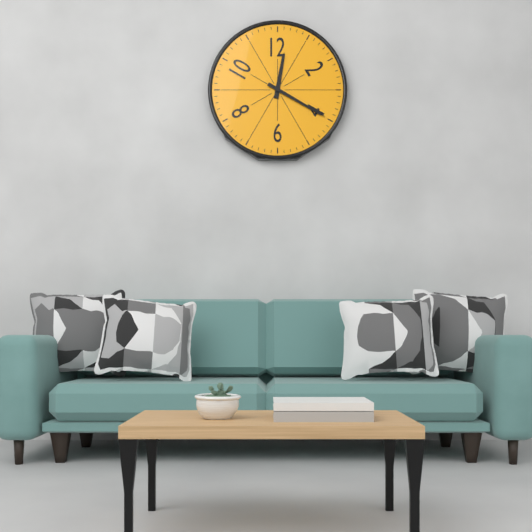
12:20
